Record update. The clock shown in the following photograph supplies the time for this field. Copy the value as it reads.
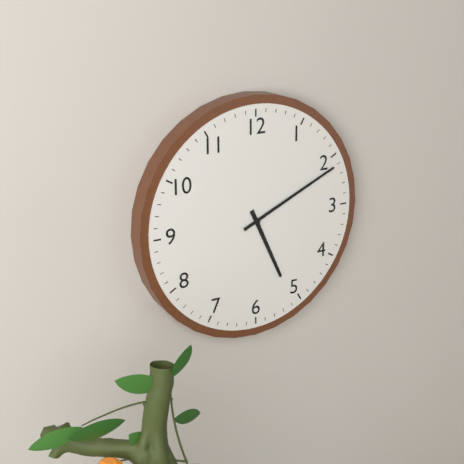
5:11
